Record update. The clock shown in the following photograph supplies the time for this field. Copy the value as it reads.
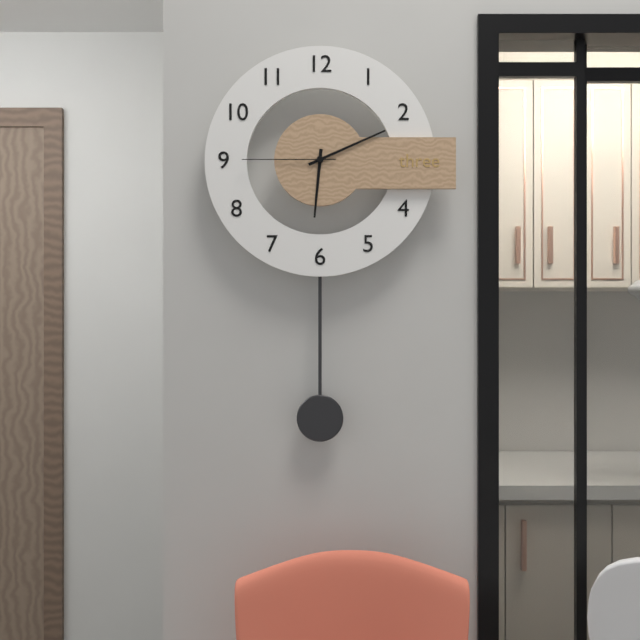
6:11:45
